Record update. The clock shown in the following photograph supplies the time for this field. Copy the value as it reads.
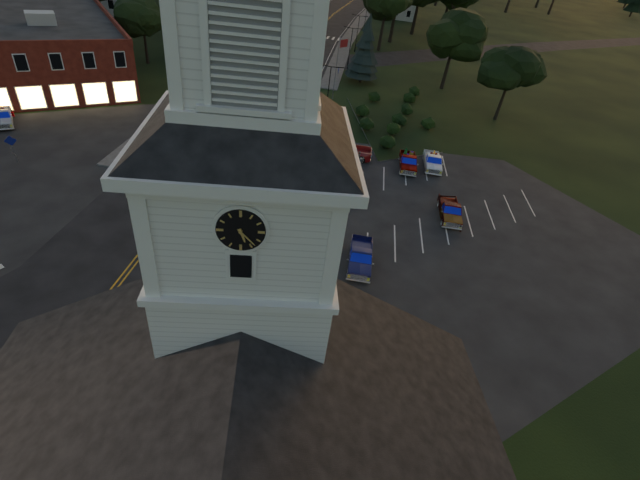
5:23
